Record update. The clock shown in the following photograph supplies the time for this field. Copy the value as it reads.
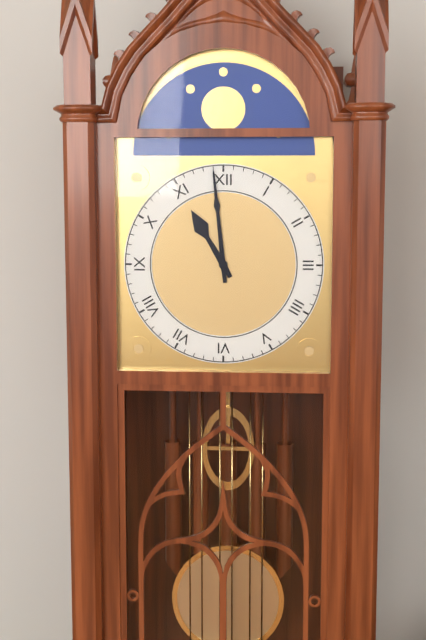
10:59
